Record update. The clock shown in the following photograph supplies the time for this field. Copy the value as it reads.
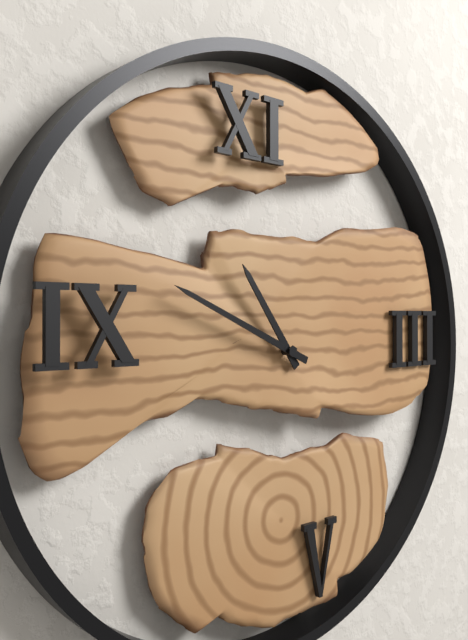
10:49
